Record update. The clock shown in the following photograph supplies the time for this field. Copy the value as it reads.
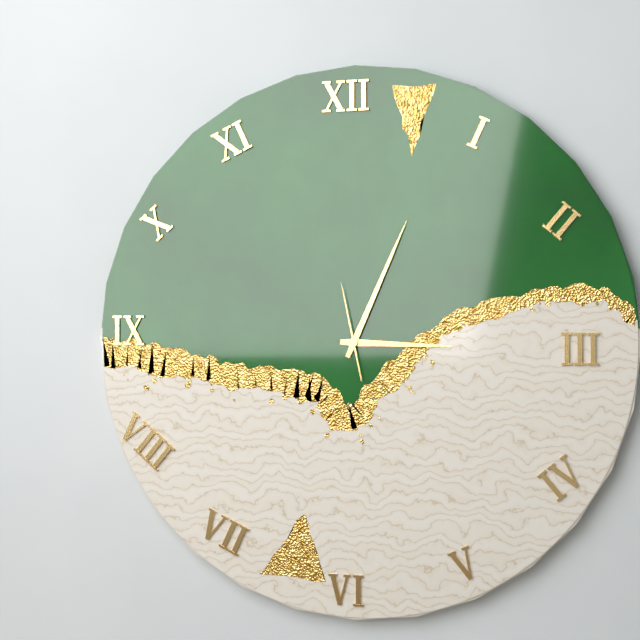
3:04:58
